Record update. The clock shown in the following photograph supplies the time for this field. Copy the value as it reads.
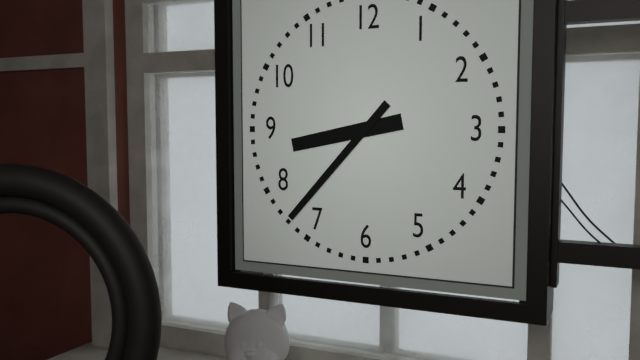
8:37
